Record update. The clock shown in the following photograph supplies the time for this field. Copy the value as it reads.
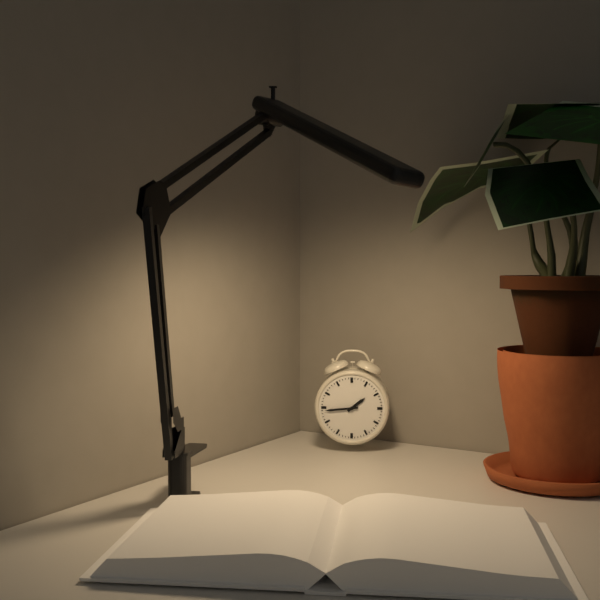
1:44
